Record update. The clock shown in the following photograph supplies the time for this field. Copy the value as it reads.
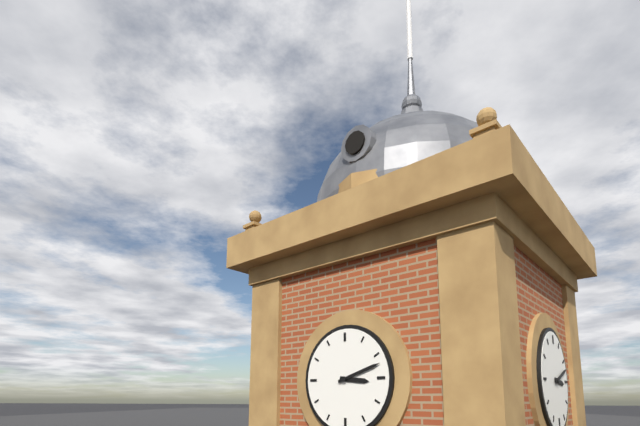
3:12
